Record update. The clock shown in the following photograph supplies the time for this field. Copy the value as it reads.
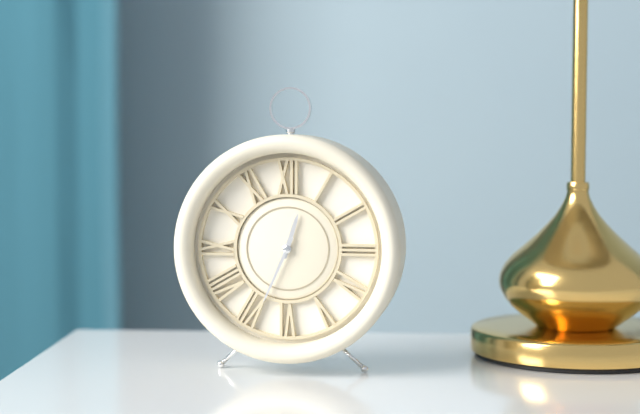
12:34
